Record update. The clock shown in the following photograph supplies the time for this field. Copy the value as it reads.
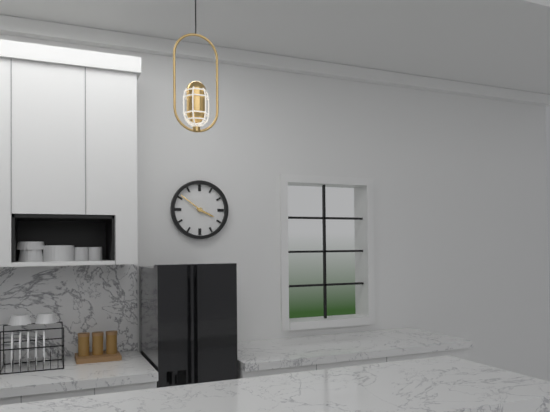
3:51
